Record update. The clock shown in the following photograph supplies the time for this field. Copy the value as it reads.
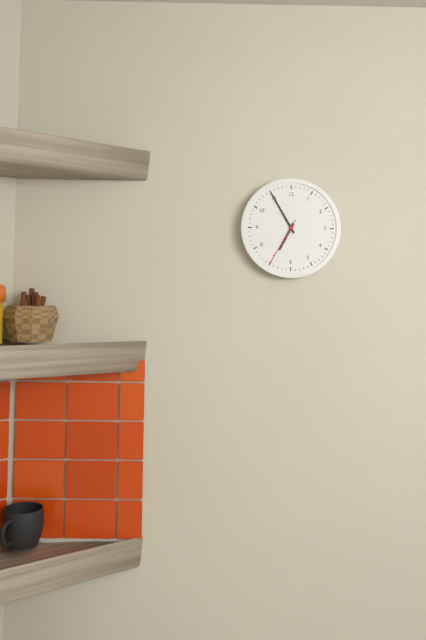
6:55:35
